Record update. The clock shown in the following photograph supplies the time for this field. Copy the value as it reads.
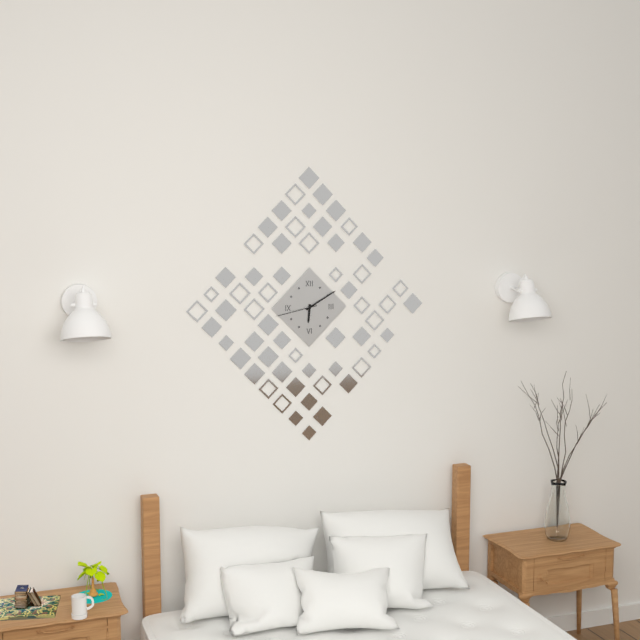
6:10
